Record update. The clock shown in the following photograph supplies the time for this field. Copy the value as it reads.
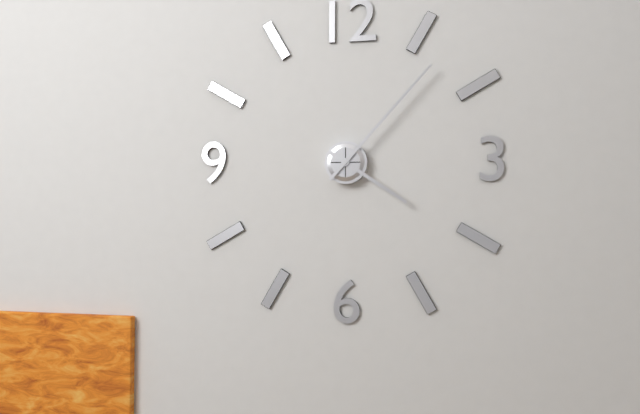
4:07
